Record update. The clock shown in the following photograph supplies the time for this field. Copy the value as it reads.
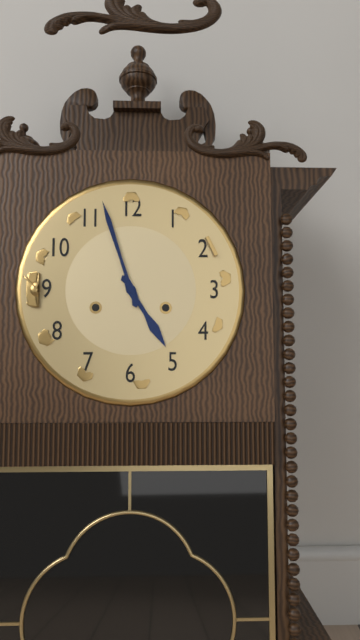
4:57
